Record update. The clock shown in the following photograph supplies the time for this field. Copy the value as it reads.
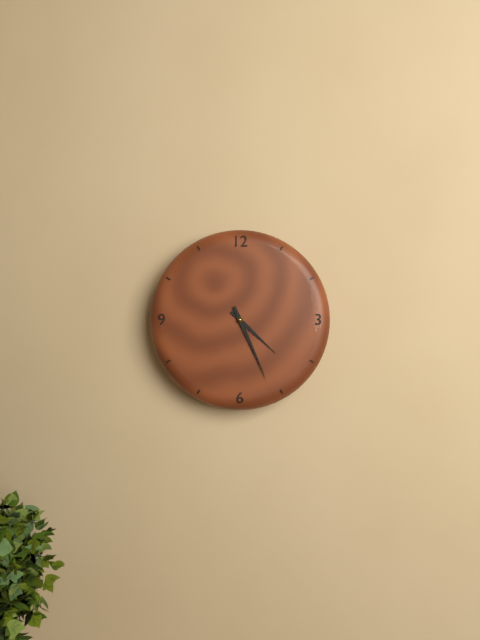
4:26
